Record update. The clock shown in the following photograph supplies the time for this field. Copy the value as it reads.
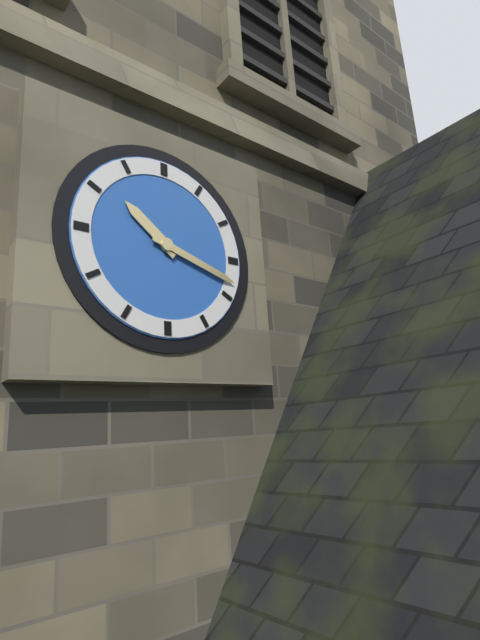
10:18
